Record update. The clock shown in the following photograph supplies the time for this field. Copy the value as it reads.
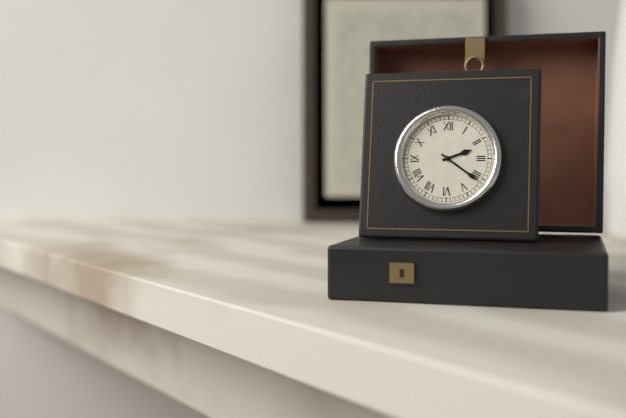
2:21
